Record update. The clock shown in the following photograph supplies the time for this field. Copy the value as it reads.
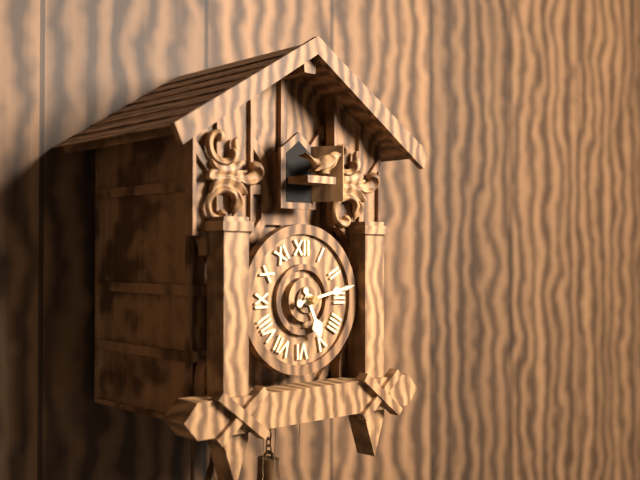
5:13
